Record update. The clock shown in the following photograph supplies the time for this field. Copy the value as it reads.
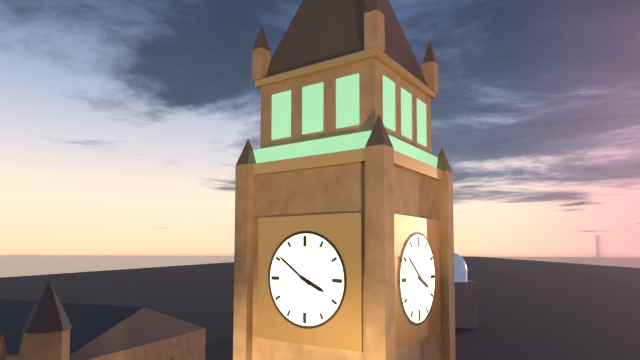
3:51
